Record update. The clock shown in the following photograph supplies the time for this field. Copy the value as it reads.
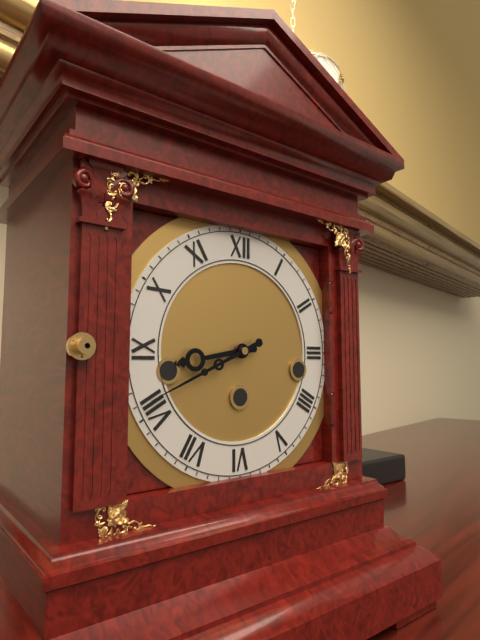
8:41
